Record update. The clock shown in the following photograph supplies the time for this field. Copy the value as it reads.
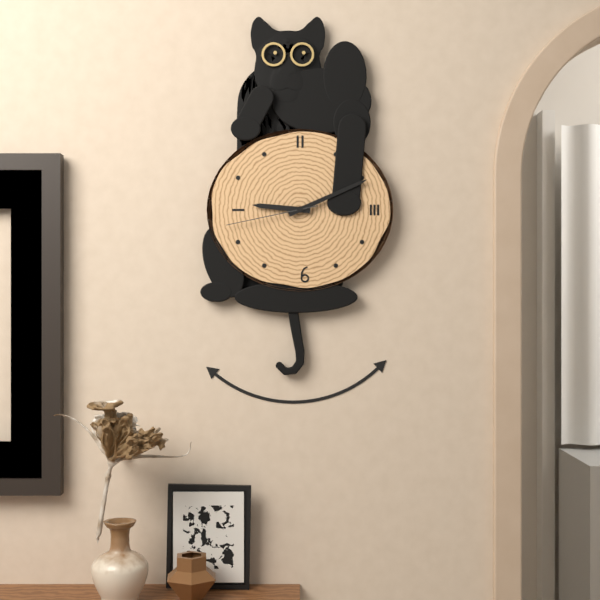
9:11:43
